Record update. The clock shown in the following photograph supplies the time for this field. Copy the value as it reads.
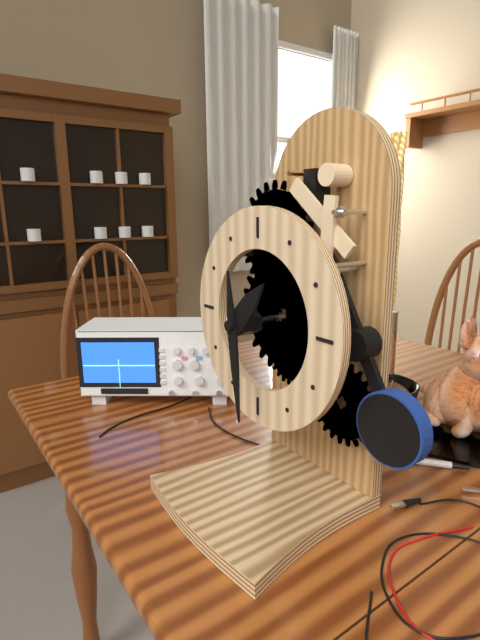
1:29
